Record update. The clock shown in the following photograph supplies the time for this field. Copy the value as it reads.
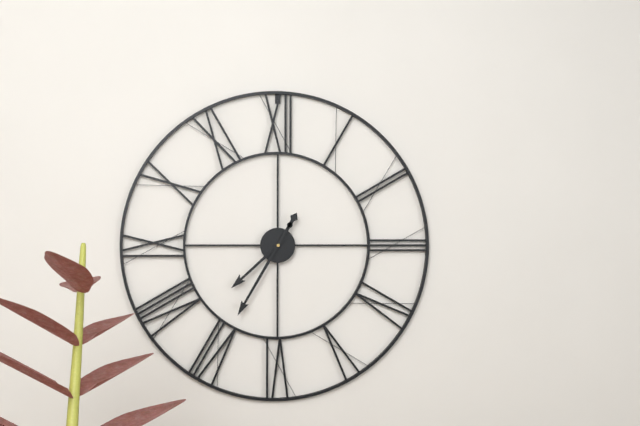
7:35
